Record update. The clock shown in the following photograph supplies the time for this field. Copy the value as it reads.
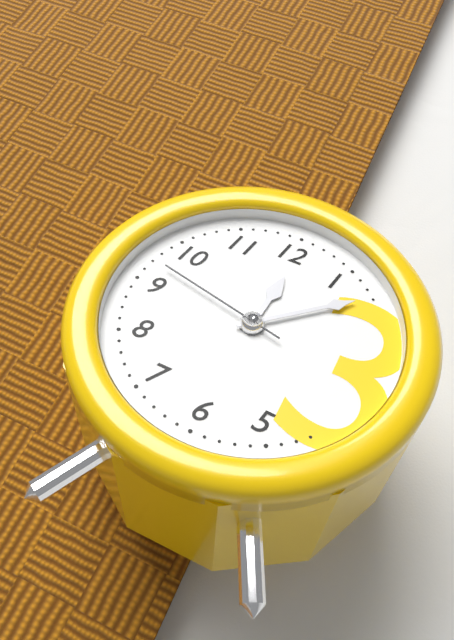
12:08:47
